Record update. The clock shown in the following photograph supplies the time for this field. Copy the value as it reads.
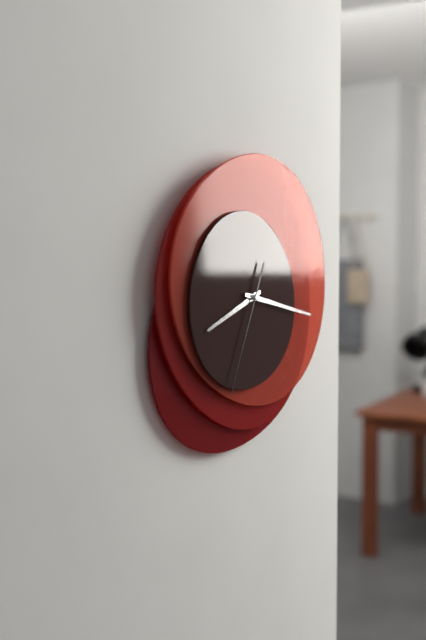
8:17:34
